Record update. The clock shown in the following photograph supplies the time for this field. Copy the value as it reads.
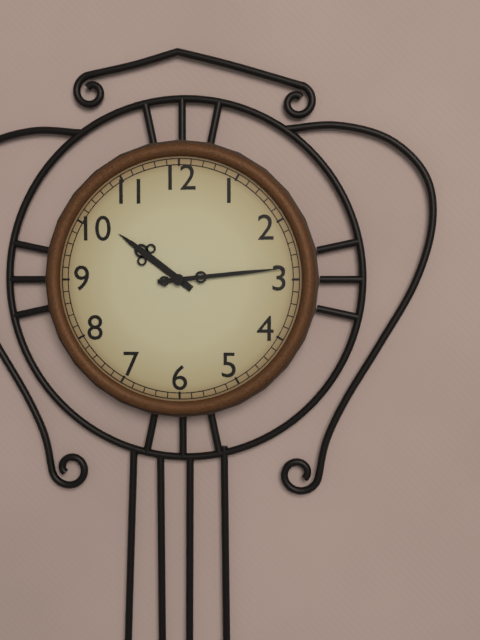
10:14
